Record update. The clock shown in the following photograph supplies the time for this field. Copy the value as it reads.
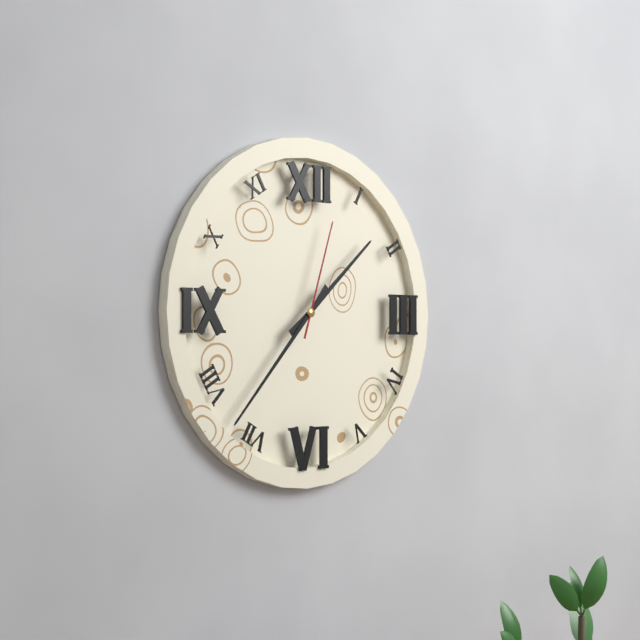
1:37:03
